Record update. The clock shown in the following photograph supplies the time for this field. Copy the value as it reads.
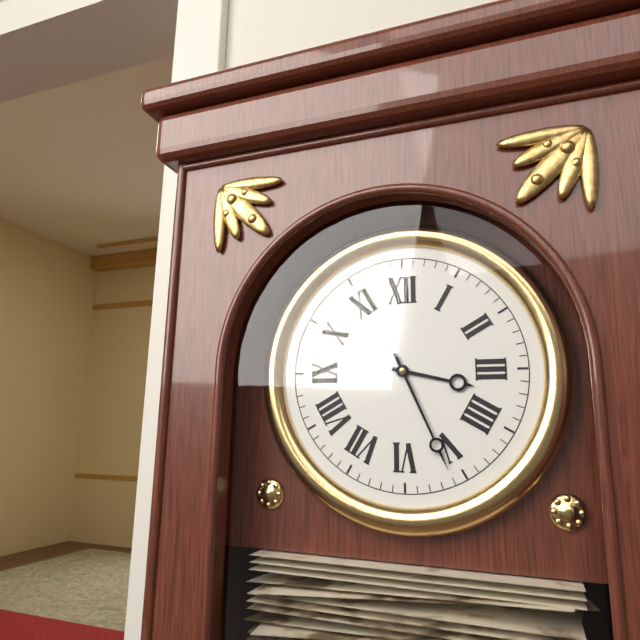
3:26
